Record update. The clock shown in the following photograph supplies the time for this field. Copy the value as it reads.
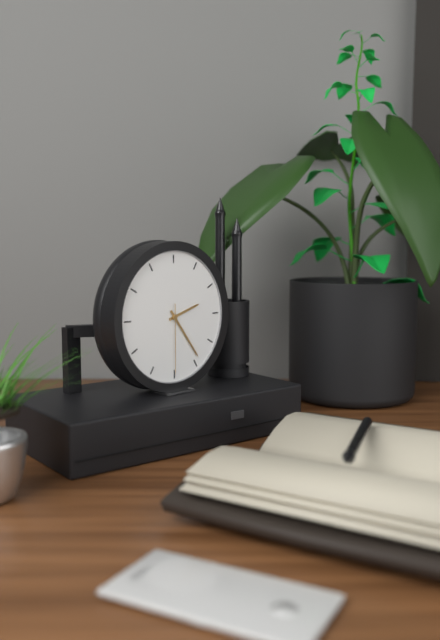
2:24:30
